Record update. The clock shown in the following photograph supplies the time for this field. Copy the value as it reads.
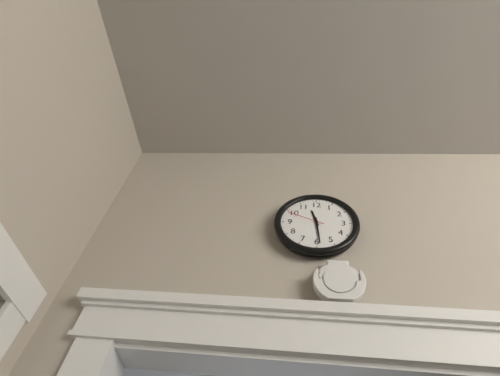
11:29
